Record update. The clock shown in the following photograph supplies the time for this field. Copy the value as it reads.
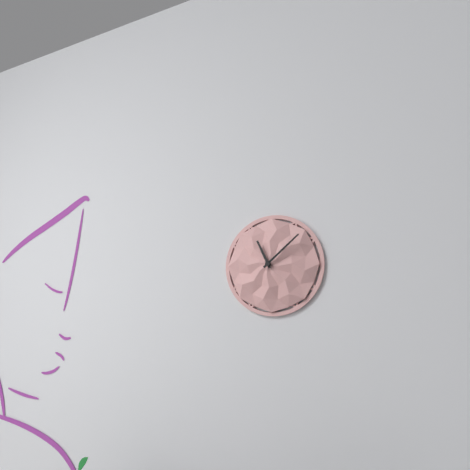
11:08
